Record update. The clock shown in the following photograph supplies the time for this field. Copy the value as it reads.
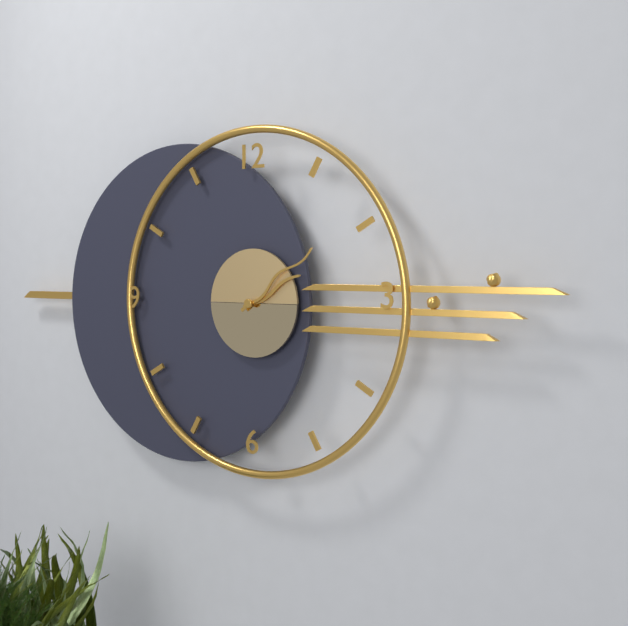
2:09
